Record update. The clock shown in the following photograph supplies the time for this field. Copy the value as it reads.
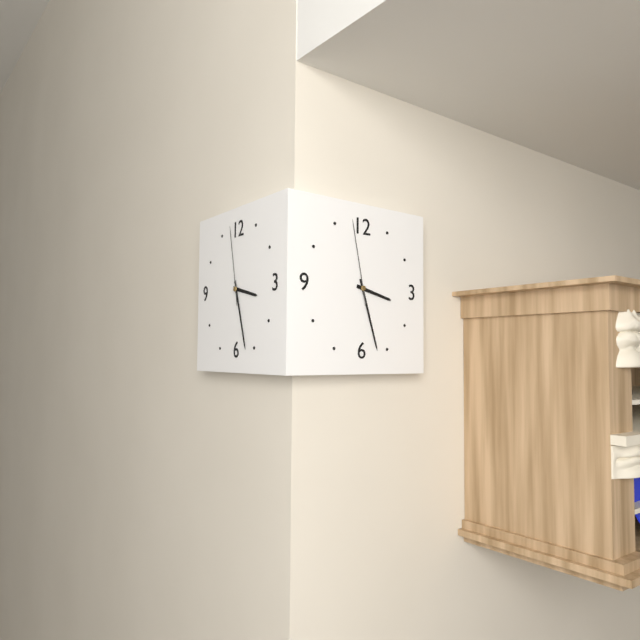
3:27:58
